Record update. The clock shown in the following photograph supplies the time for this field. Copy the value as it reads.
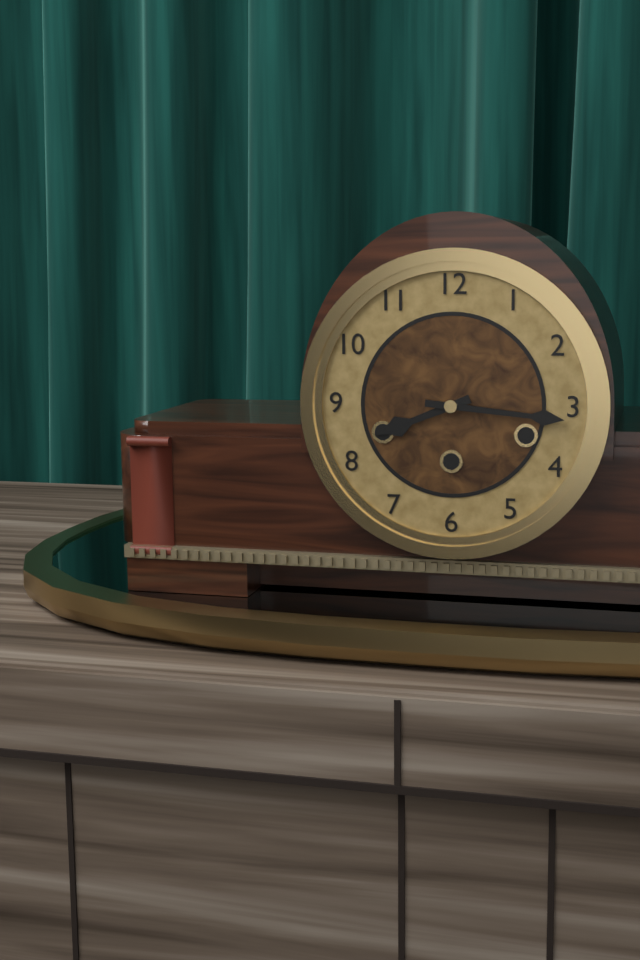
8:16
